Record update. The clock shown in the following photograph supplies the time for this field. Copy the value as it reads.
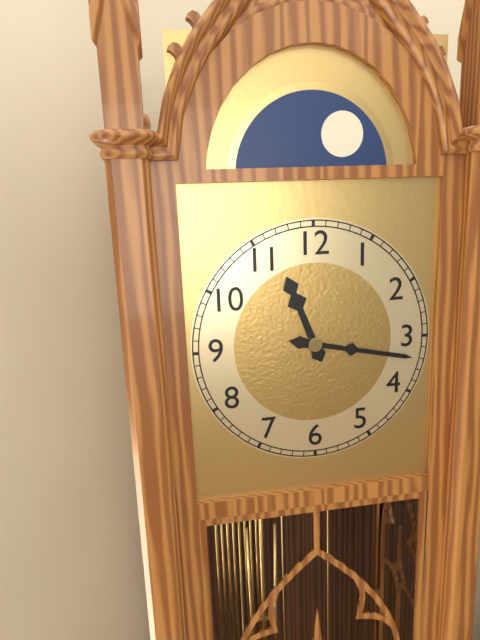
11:17
